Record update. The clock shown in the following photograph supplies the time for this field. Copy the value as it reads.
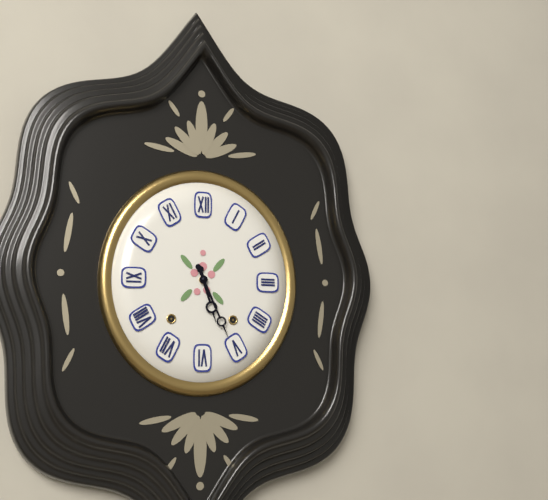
5:26
